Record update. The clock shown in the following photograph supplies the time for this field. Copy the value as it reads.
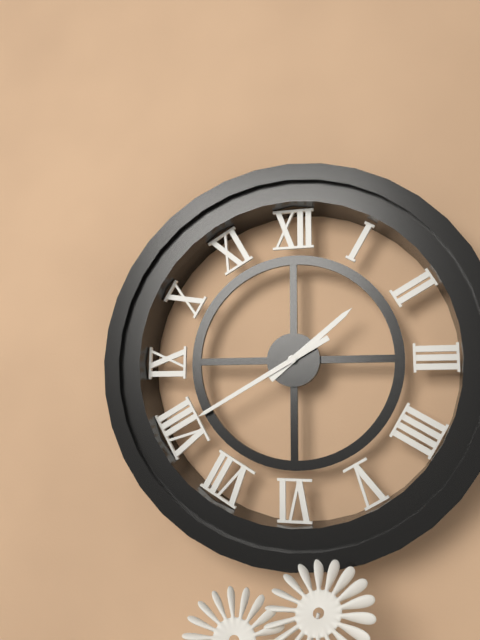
1:40
